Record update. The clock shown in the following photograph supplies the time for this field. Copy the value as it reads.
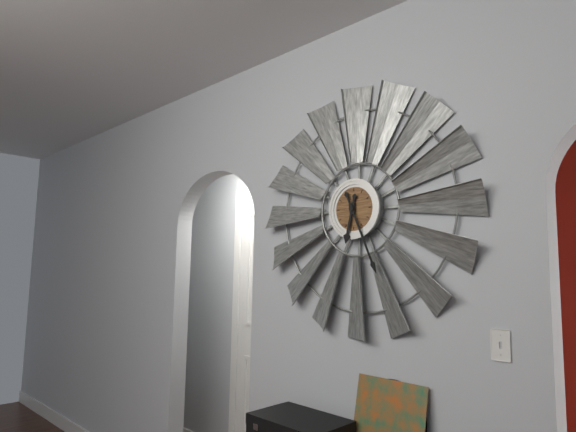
6:26
